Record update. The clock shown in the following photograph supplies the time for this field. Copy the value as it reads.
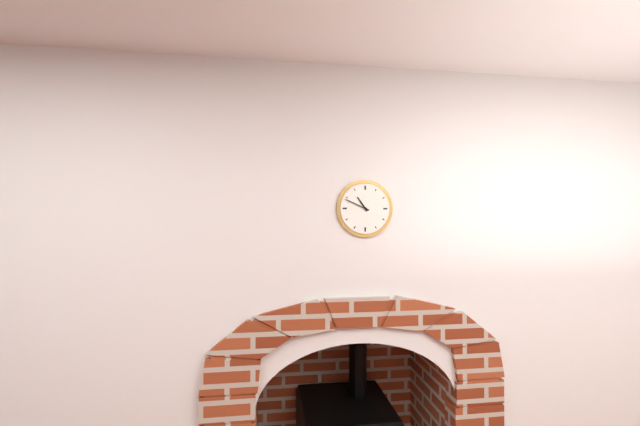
10:49
